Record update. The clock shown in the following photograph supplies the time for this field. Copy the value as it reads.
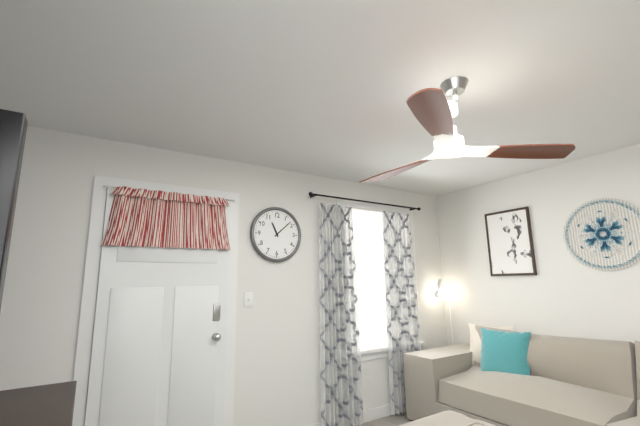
11:08
